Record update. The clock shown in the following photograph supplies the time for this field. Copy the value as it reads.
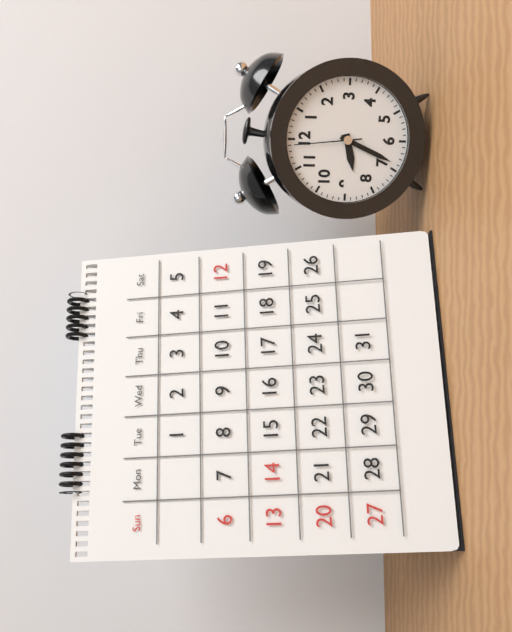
8:34:59
